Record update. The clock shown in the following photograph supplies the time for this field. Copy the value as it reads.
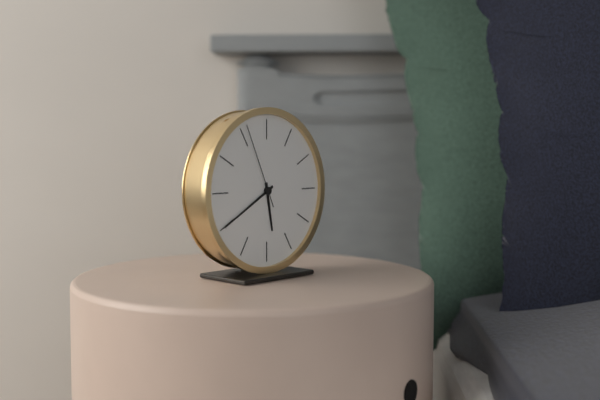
5:40:56
